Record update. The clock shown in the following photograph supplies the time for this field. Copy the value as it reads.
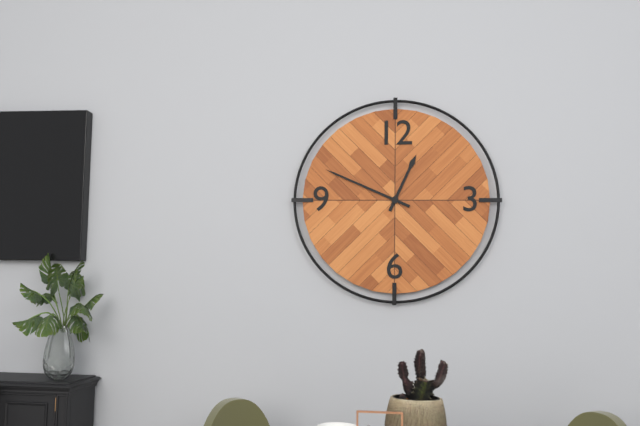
12:49
